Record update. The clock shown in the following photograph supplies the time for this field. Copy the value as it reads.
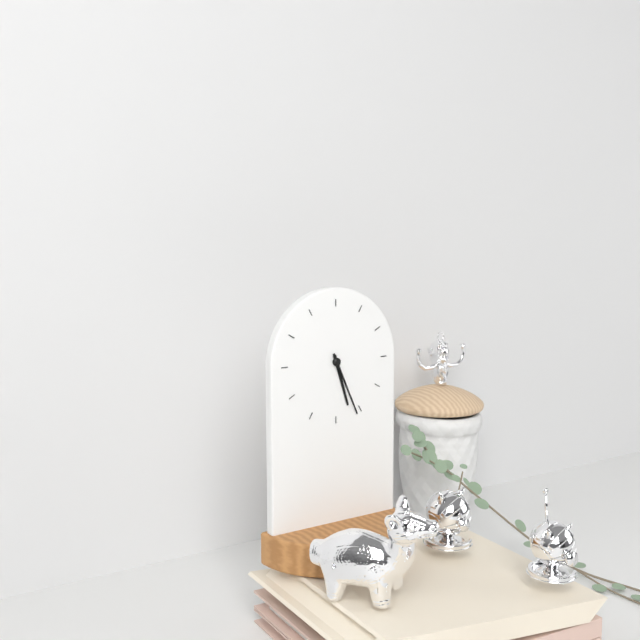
5:26
